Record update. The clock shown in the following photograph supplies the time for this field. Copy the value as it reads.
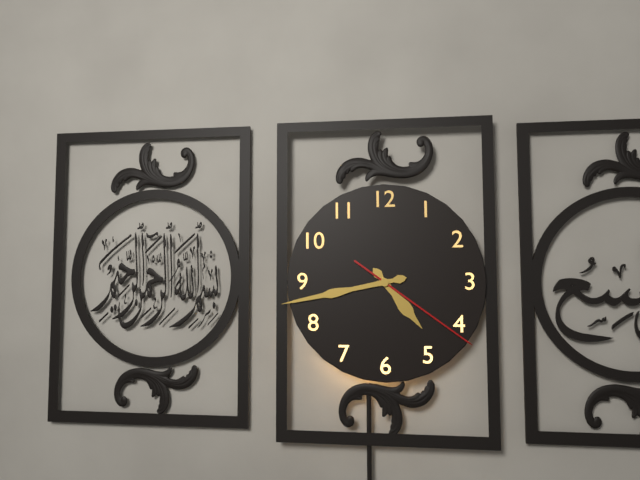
4:43:21
